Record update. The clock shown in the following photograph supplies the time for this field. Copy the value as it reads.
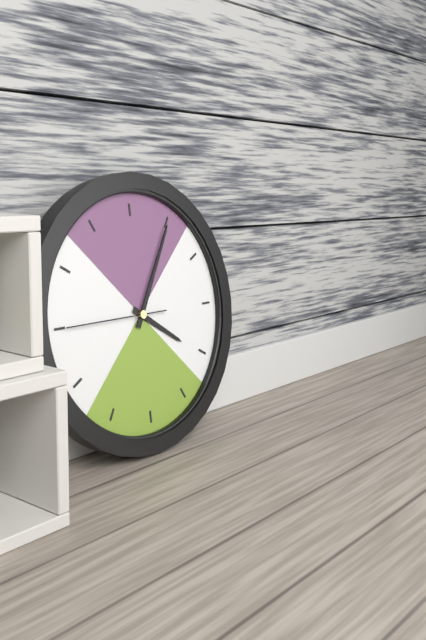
4:05:45
